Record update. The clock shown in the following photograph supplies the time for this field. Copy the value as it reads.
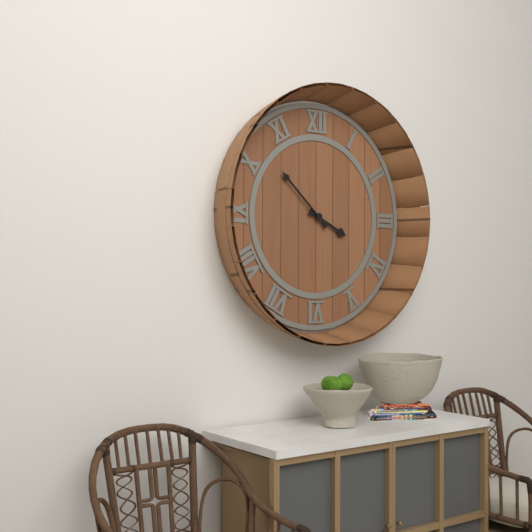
3:52
